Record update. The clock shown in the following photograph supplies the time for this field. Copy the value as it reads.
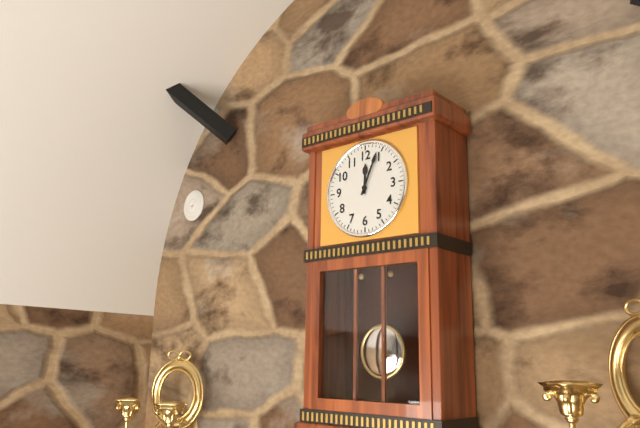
12:04
